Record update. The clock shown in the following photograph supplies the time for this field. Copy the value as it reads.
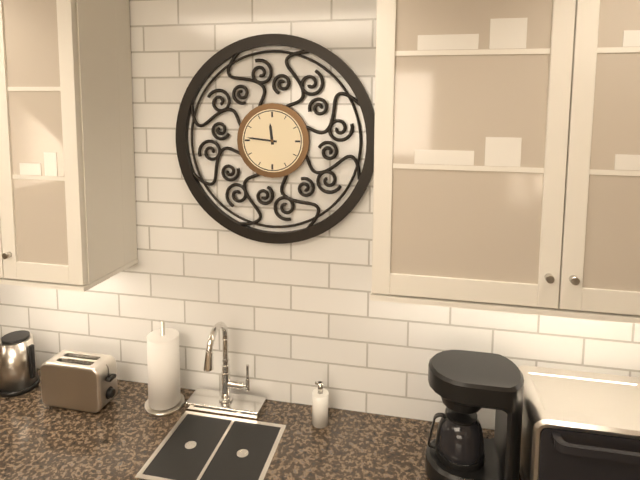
11:46
